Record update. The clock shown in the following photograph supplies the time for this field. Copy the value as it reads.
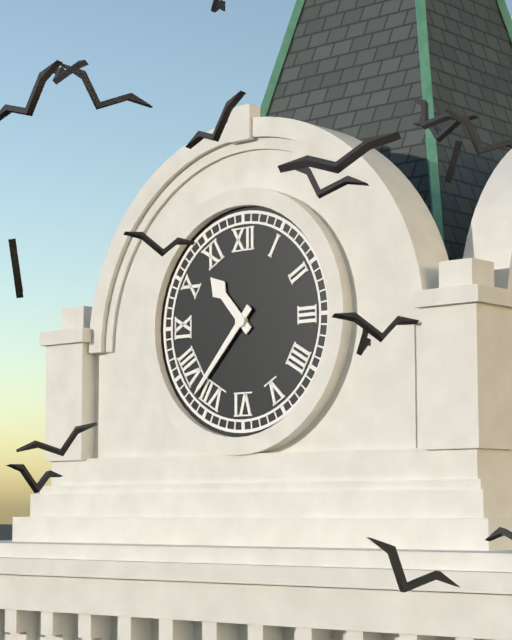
10:37
